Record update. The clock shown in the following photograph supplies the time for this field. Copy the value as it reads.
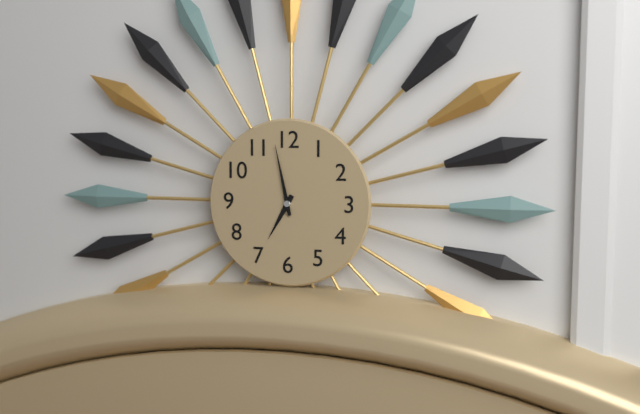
6:58
